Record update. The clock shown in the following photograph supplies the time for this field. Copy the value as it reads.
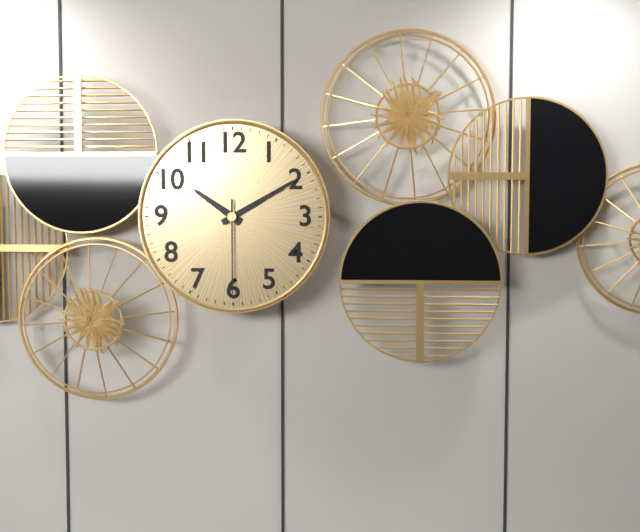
10:10:30
